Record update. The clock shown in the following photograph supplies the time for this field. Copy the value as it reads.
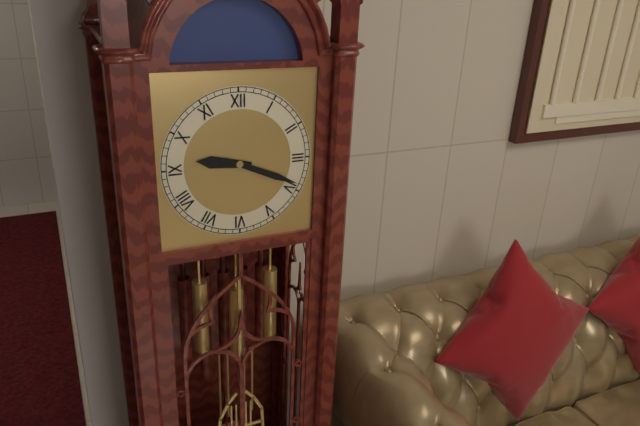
9:19
